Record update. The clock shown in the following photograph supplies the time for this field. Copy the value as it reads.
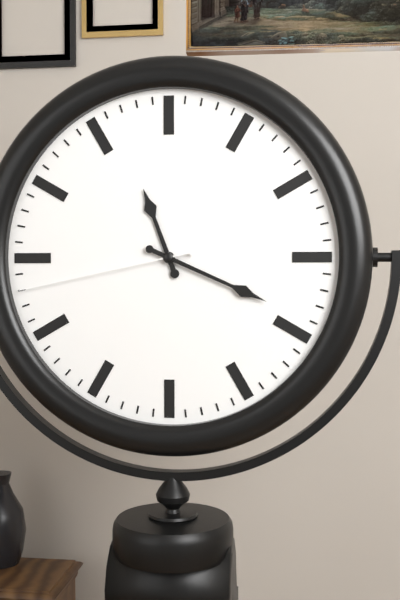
11:19:43
